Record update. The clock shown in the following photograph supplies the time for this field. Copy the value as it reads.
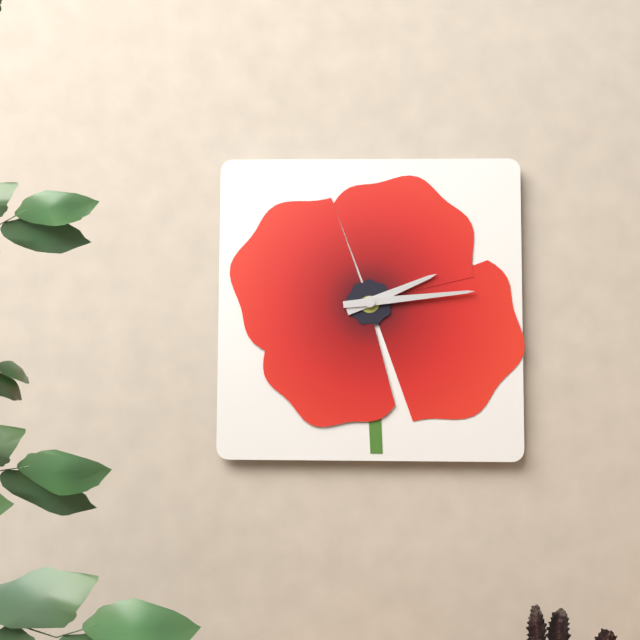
2:14
